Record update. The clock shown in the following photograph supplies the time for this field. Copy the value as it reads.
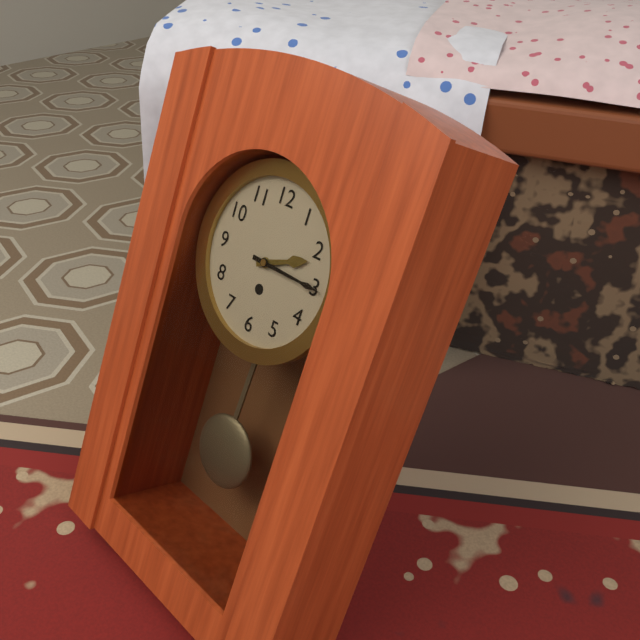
2:15
